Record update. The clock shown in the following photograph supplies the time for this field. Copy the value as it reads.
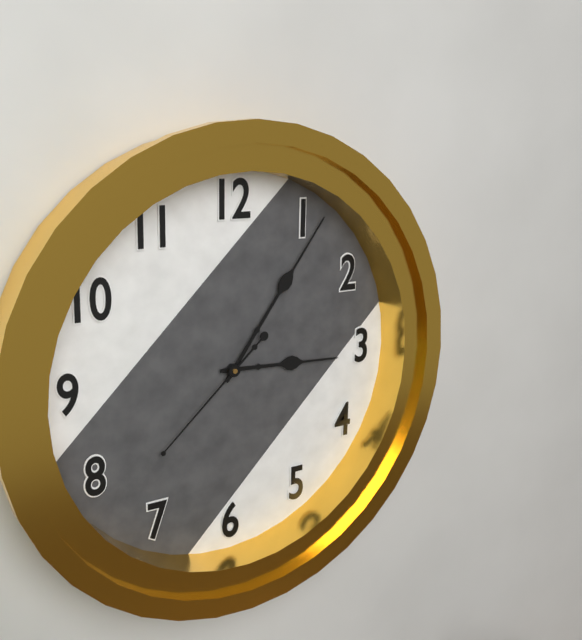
3:06:38
